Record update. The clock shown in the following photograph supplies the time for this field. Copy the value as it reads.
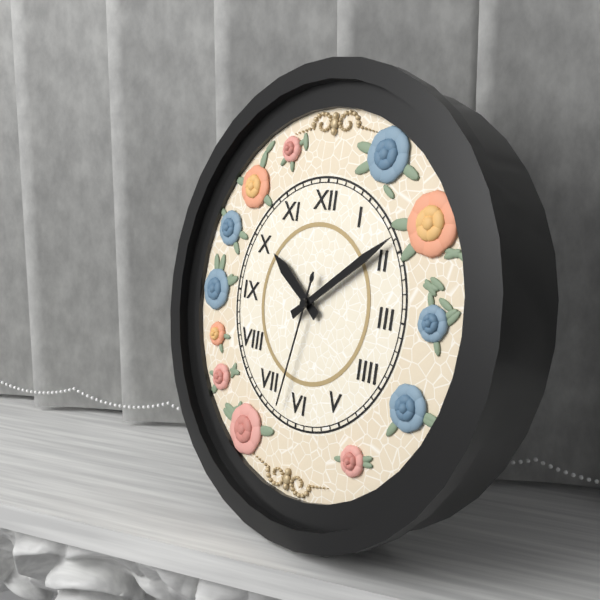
10:09:32
